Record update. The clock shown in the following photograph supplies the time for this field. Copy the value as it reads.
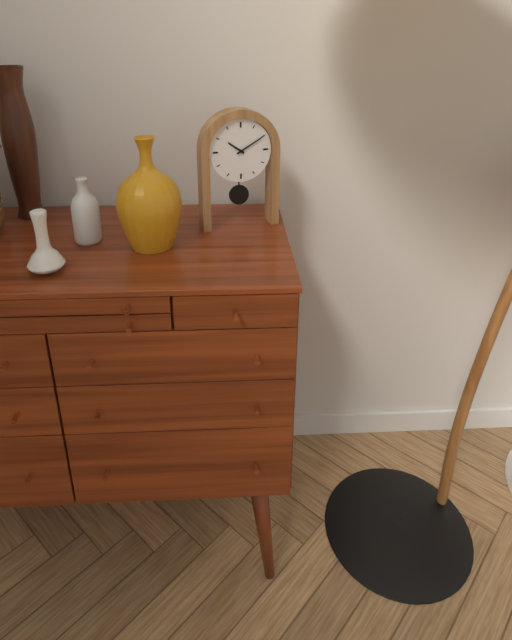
10:10
